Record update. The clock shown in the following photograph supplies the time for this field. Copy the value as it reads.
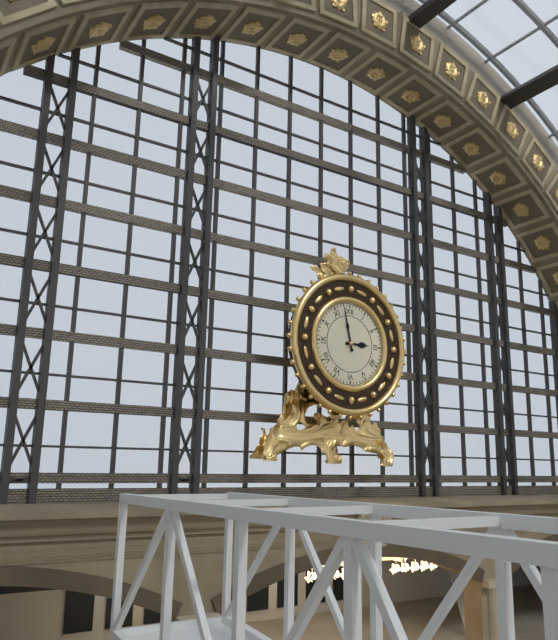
2:58
